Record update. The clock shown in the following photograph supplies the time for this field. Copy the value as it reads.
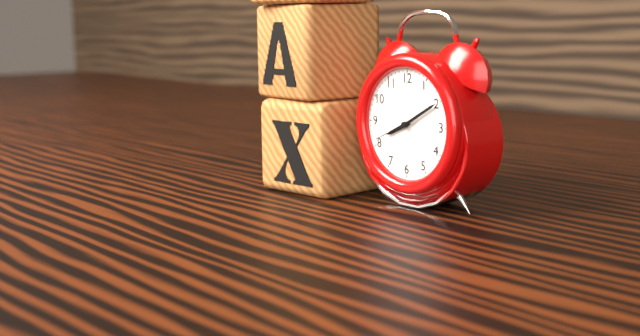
8:10
